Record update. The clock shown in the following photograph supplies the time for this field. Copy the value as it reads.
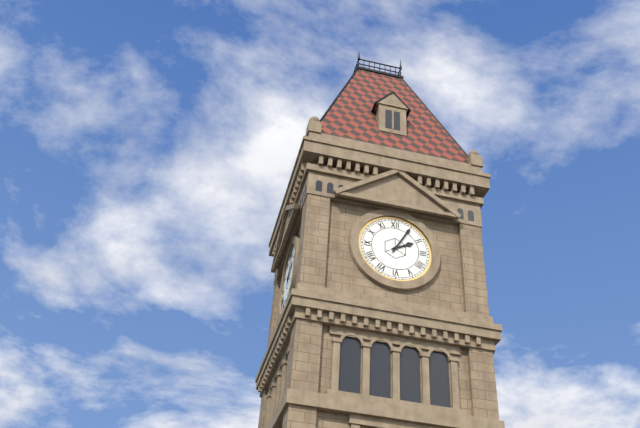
2:05
